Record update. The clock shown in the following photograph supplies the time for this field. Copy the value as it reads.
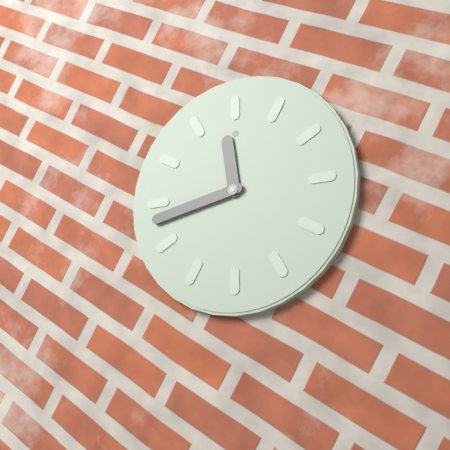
11:43
